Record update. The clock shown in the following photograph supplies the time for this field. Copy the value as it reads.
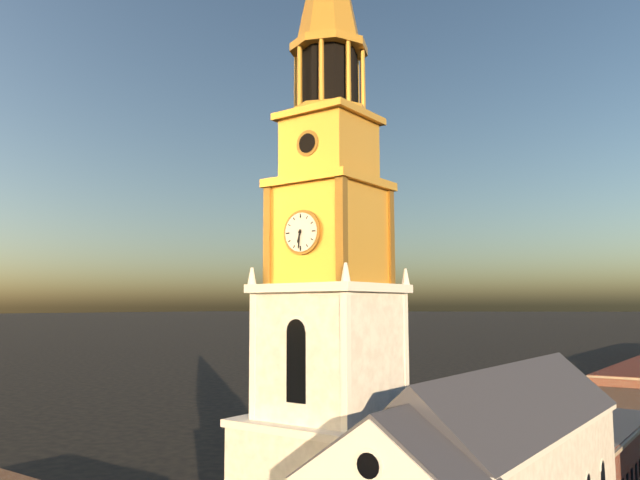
6:31
